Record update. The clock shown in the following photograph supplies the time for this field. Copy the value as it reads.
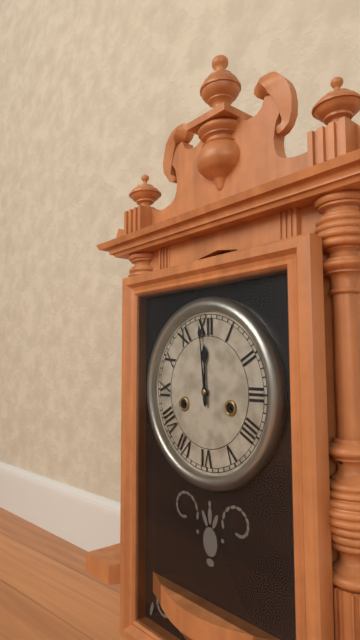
11:59
